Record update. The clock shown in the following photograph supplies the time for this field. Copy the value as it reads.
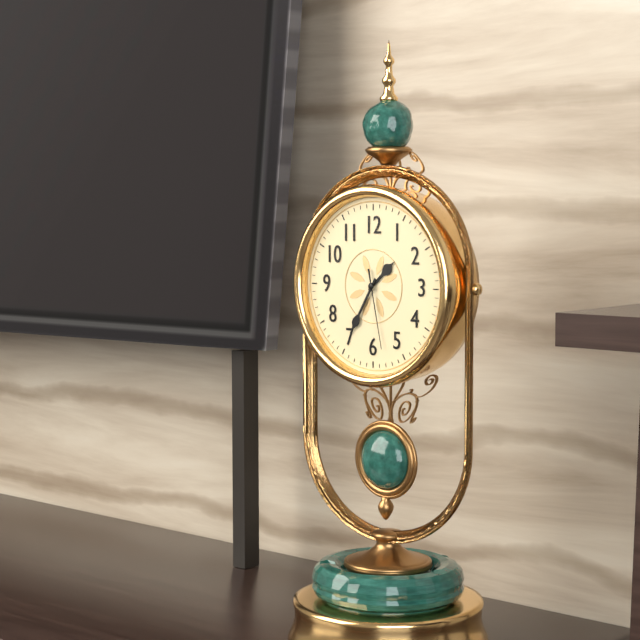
1:35:28
